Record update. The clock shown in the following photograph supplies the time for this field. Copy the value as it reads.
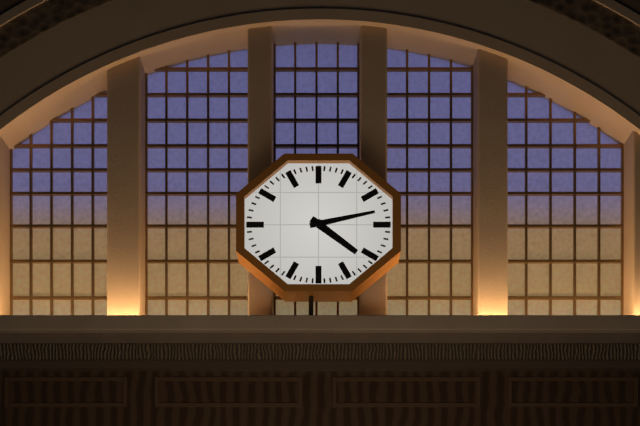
4:13
